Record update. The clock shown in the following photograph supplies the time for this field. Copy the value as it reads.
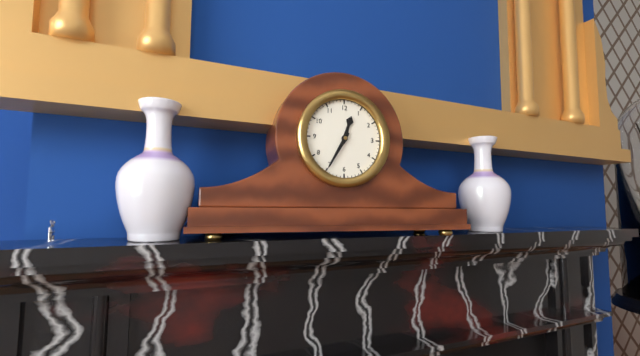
12:35
